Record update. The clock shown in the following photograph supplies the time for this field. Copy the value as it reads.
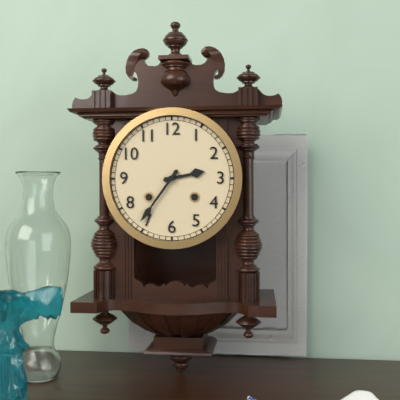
2:36
